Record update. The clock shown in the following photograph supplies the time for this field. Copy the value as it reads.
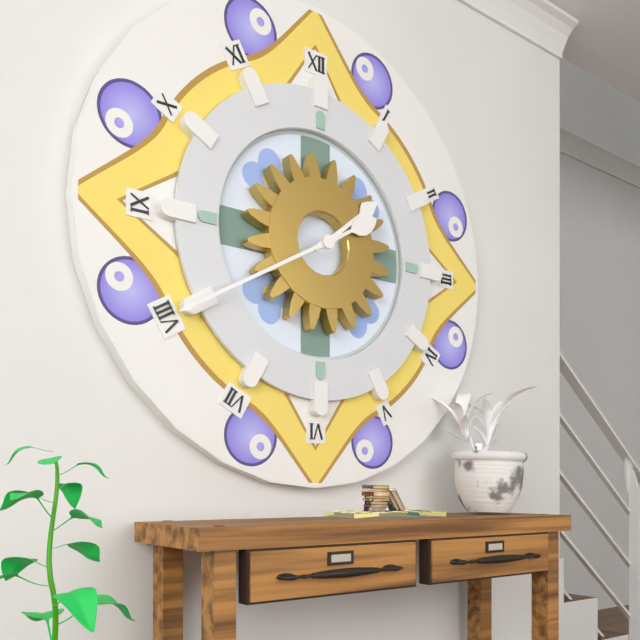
1:40
